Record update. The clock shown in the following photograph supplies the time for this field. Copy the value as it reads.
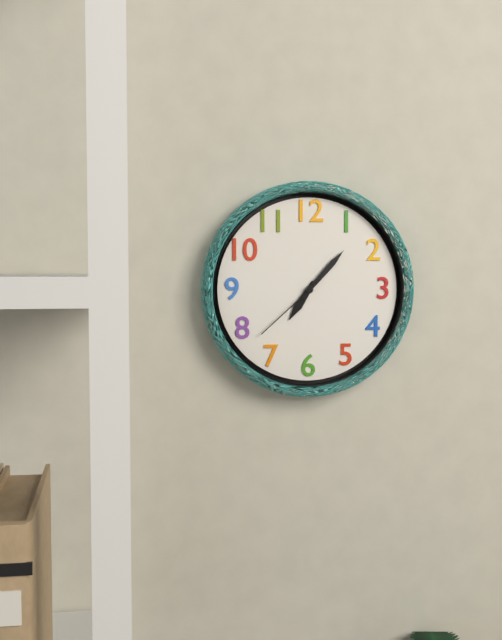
7:07:38
